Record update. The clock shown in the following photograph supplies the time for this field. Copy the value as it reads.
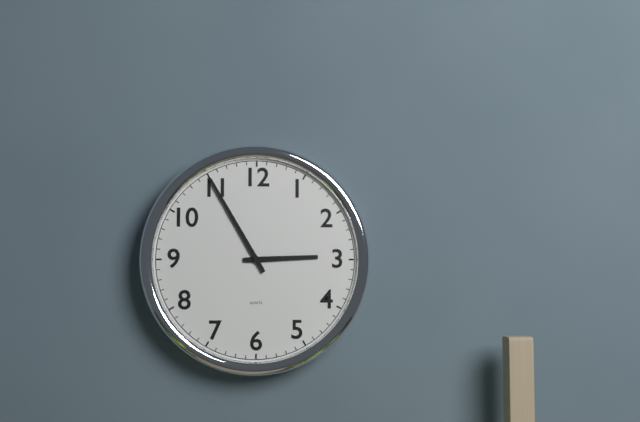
2:55
